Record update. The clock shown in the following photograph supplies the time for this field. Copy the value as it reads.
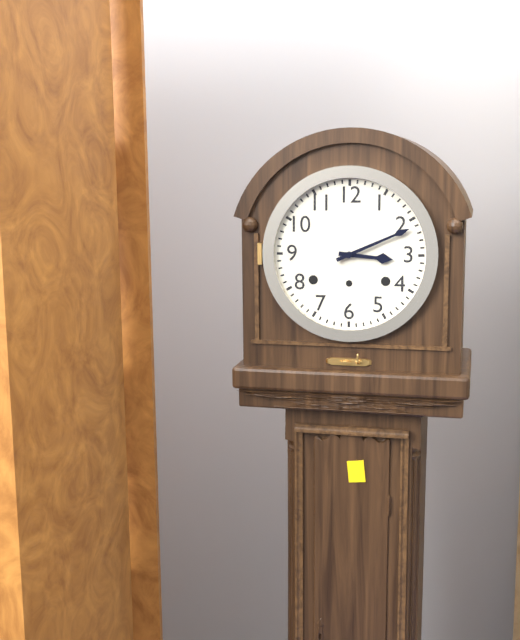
3:11
